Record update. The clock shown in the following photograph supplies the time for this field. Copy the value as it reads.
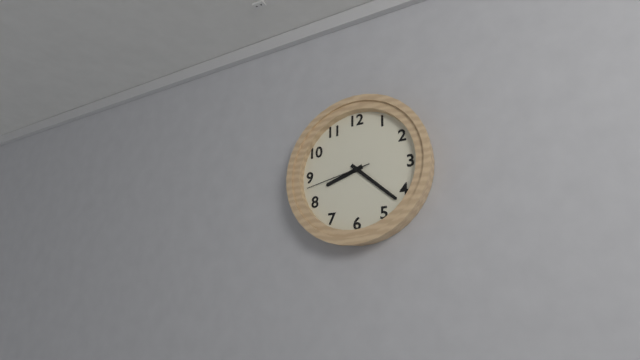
8:22:43
